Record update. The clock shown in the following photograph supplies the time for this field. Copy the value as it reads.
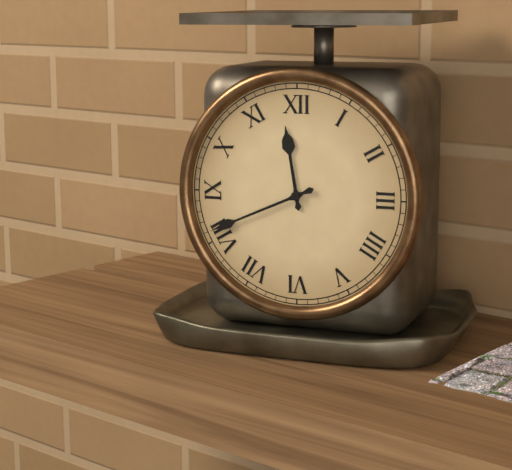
11:41
